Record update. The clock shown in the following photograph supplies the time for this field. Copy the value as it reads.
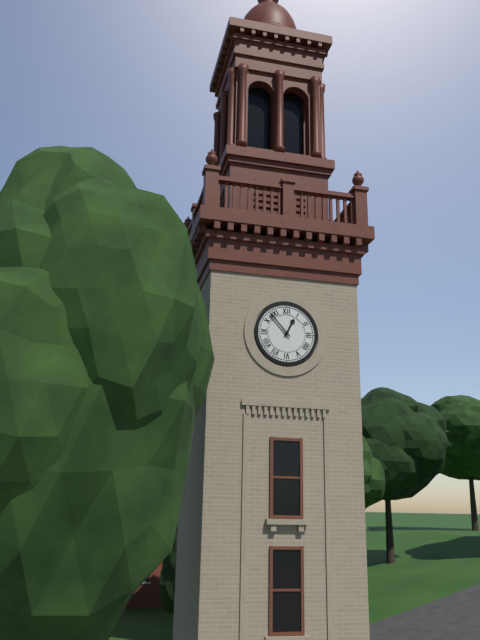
12:53
